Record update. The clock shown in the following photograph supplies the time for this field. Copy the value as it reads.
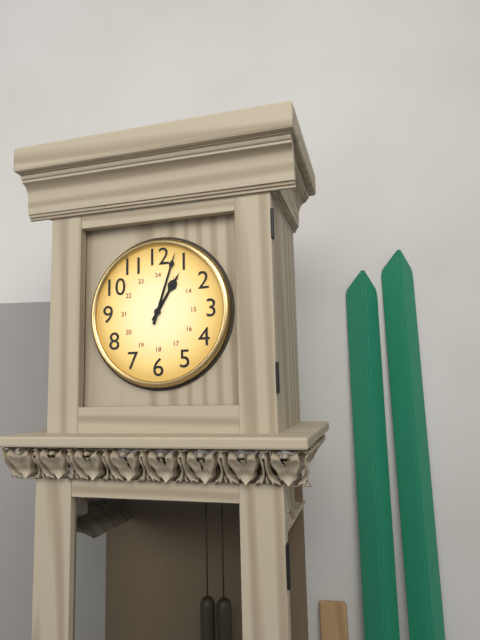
1:03
